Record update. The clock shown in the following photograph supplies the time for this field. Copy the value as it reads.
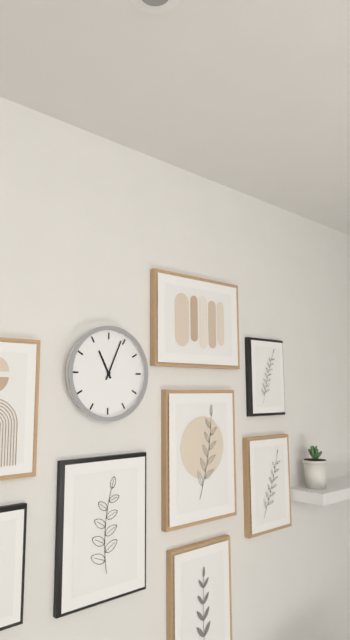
11:04
